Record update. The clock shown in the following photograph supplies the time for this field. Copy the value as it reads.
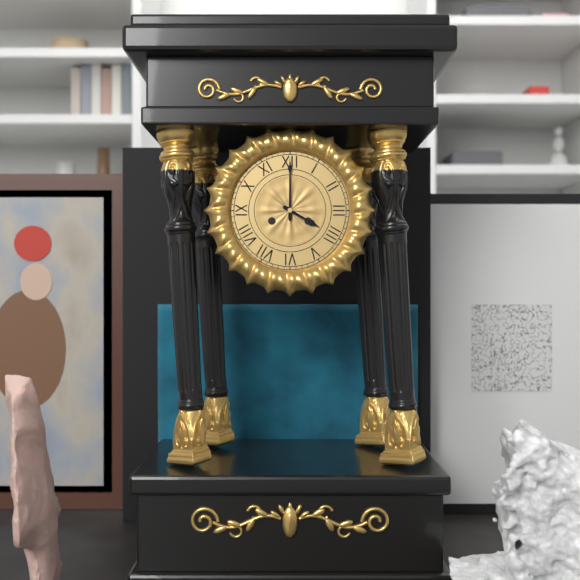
4:00
